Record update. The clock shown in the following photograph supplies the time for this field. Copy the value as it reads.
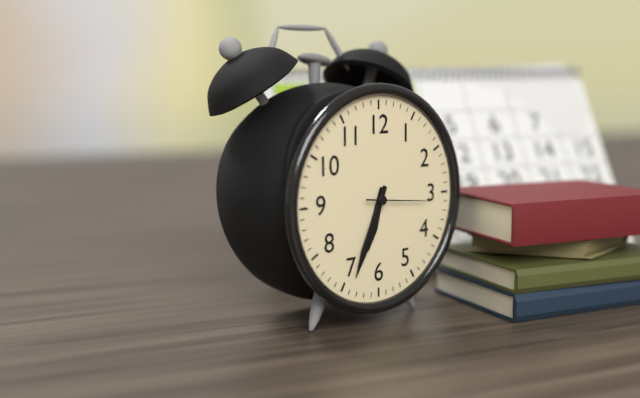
6:34:16
